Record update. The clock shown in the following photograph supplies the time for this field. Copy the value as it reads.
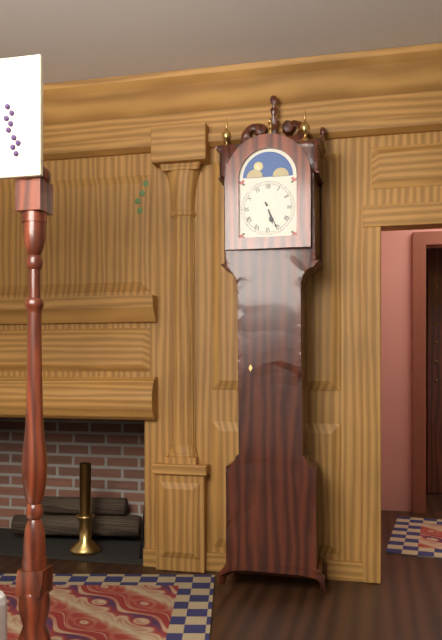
5:26
